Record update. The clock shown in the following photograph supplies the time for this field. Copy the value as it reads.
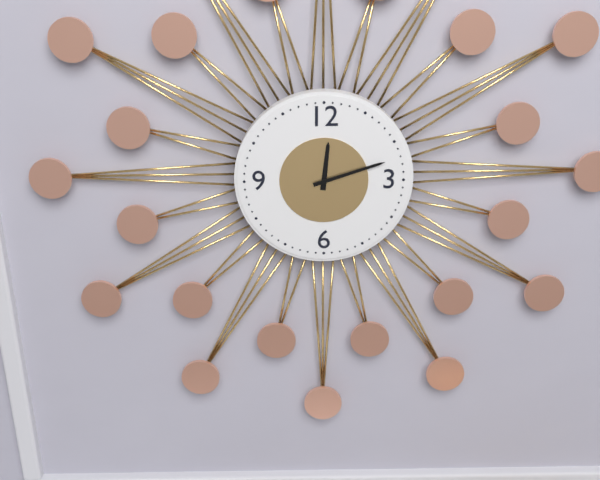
12:12
